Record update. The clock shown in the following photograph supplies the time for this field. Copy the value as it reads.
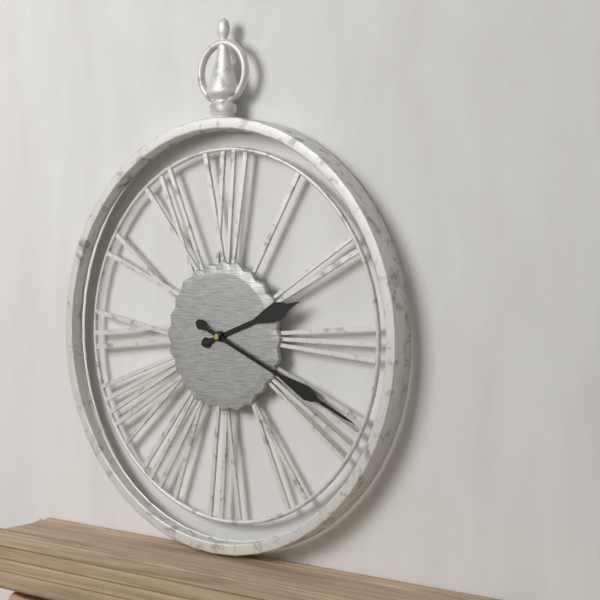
2:19
